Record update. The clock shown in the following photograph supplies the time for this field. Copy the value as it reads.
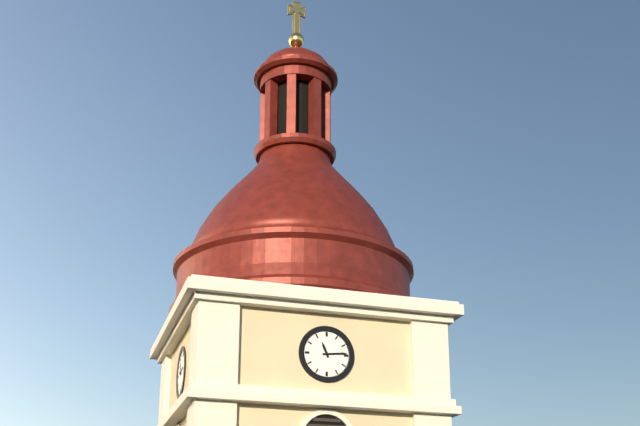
11:14
